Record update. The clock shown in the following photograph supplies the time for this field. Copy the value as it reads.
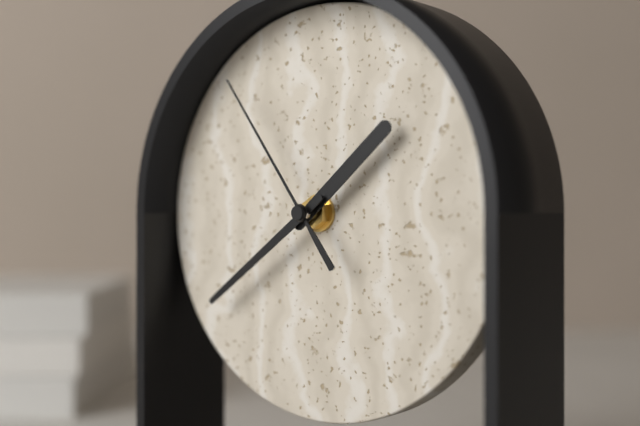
1:39:54
